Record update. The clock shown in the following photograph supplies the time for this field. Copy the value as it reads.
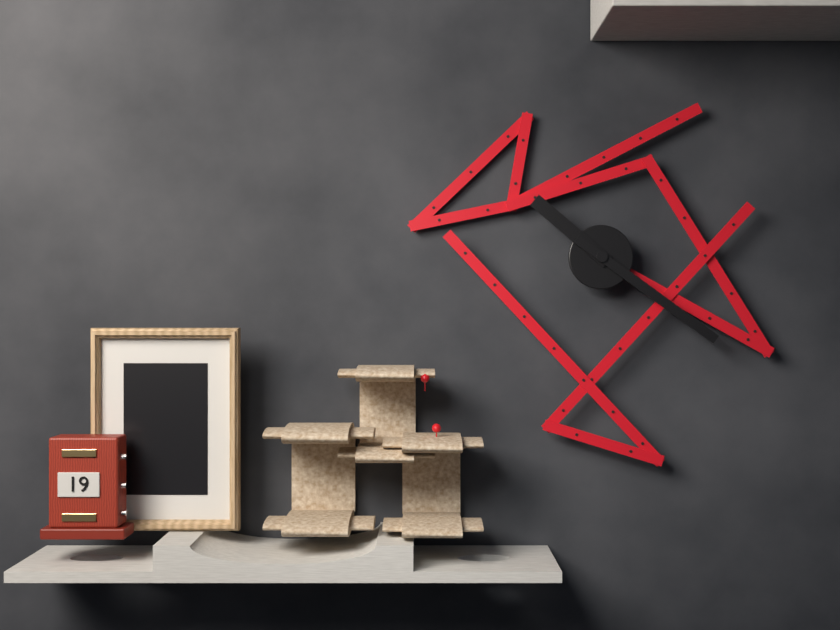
10:21
